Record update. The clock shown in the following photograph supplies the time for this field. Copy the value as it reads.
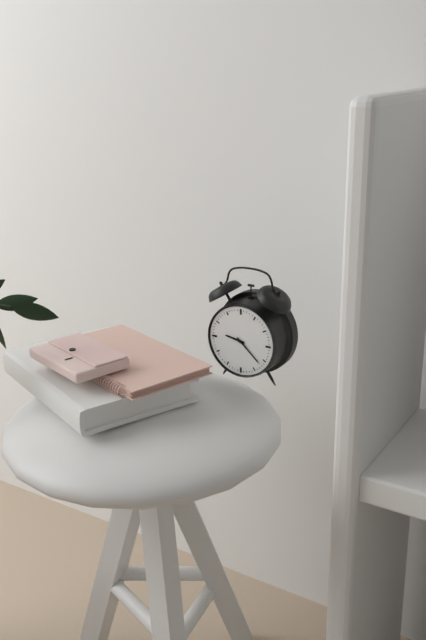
9:22
